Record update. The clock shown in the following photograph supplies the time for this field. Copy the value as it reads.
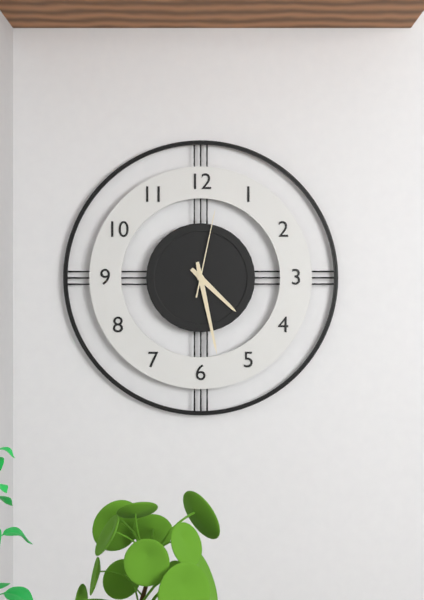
4:28:02
